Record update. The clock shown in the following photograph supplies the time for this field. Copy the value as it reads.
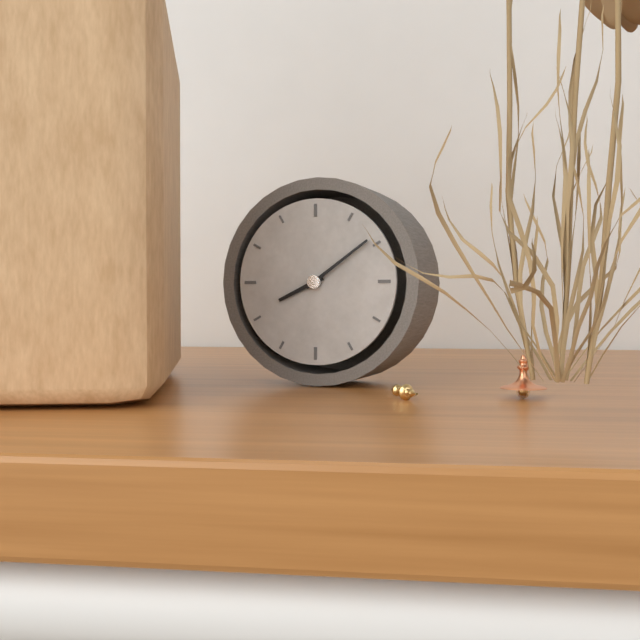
8:09
